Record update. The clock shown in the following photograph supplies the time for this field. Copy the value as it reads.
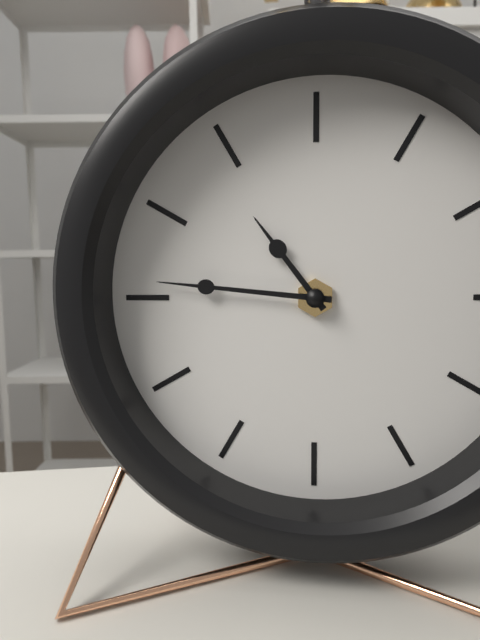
10:46
